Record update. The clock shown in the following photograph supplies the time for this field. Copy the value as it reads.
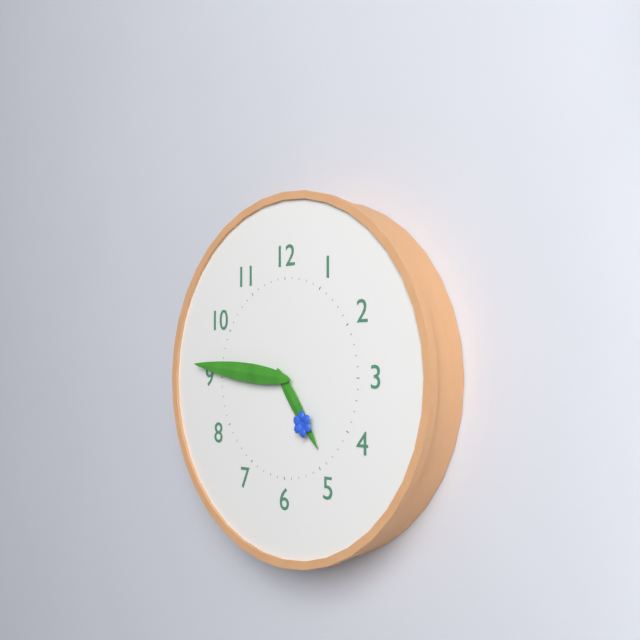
4:46
